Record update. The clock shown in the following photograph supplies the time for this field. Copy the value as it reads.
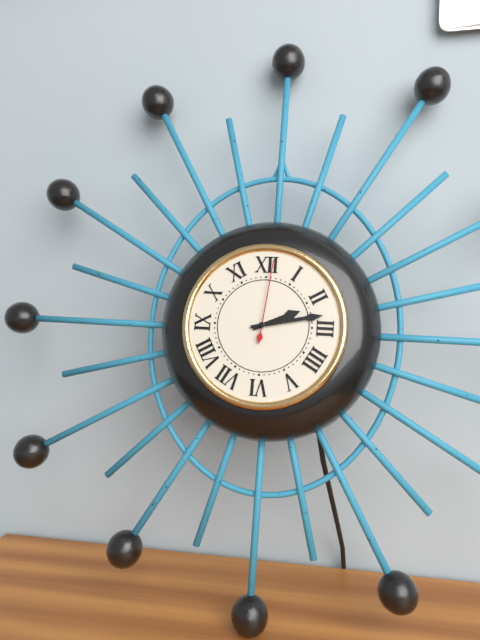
2:13:01
